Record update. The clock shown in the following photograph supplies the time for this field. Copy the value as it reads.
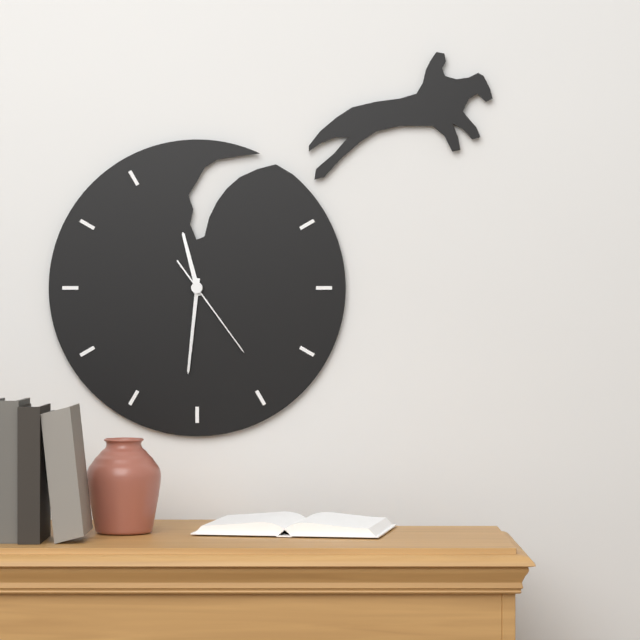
11:31:24
